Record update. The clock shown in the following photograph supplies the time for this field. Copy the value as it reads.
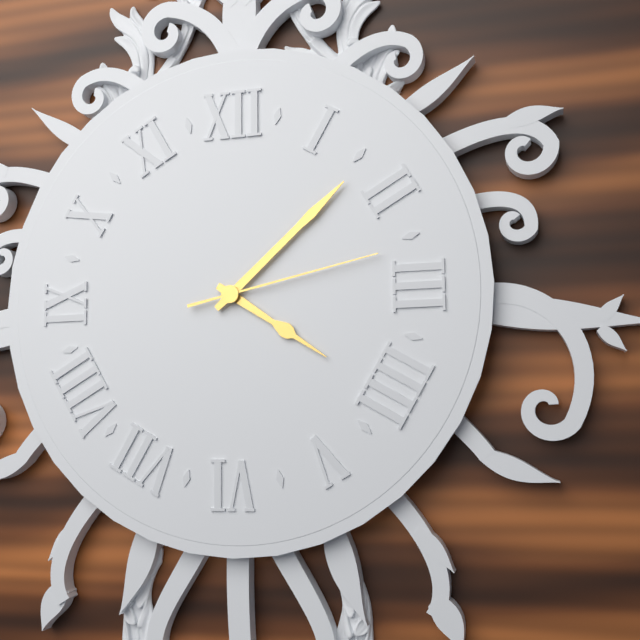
4:08:13
